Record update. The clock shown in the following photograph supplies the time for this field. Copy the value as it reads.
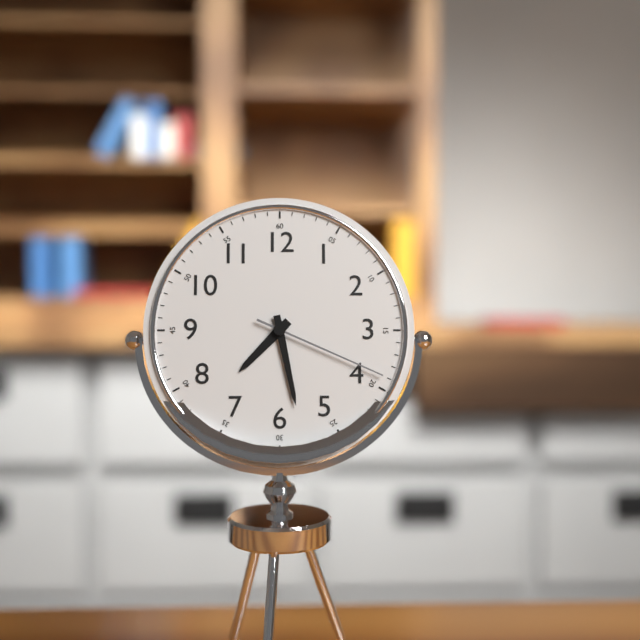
7:28:19
